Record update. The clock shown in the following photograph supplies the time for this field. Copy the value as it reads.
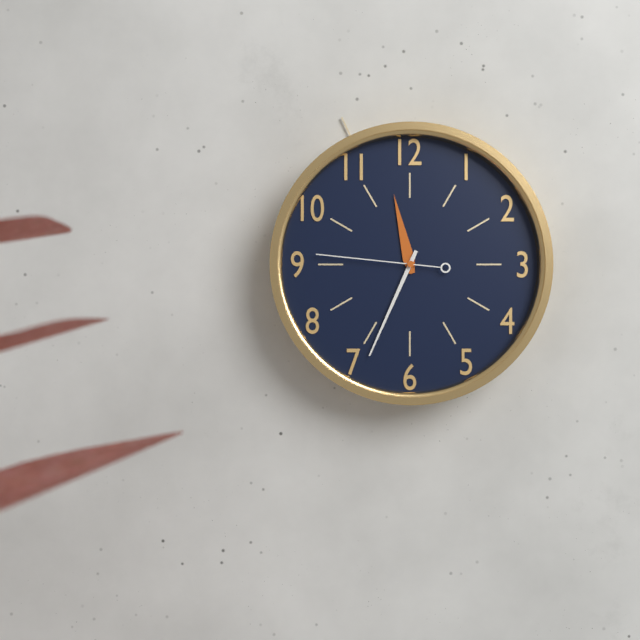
11:34:46
